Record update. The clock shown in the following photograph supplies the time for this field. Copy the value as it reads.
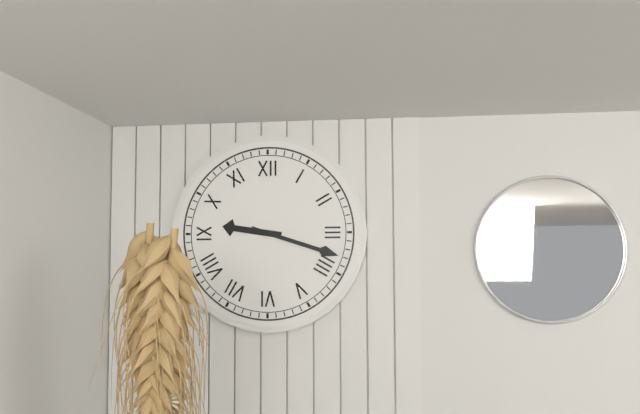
9:18
